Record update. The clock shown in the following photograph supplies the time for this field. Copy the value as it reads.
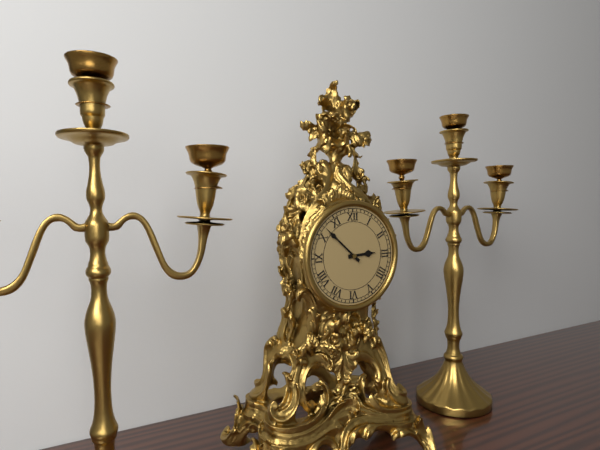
2:52
